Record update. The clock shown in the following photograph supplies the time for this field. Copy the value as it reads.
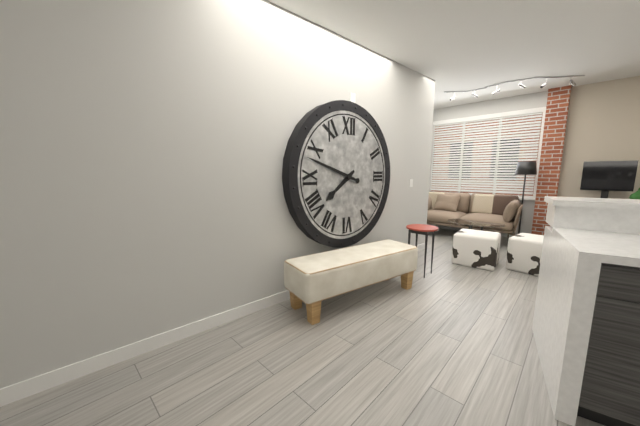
7:48
